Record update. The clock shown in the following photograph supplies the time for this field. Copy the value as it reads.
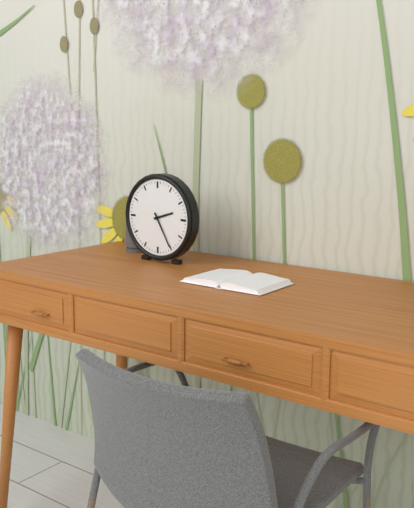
2:25
